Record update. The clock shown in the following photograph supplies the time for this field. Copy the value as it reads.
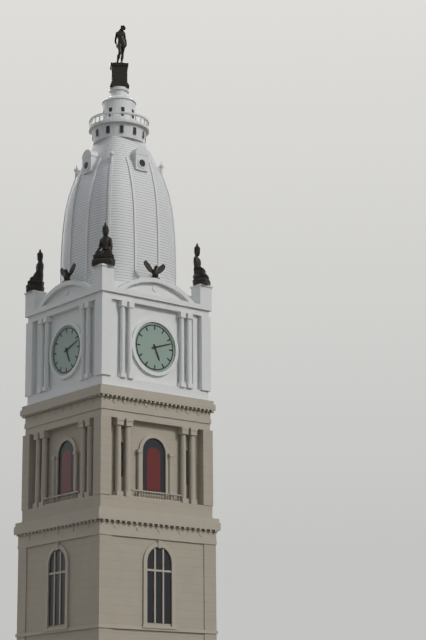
5:12
